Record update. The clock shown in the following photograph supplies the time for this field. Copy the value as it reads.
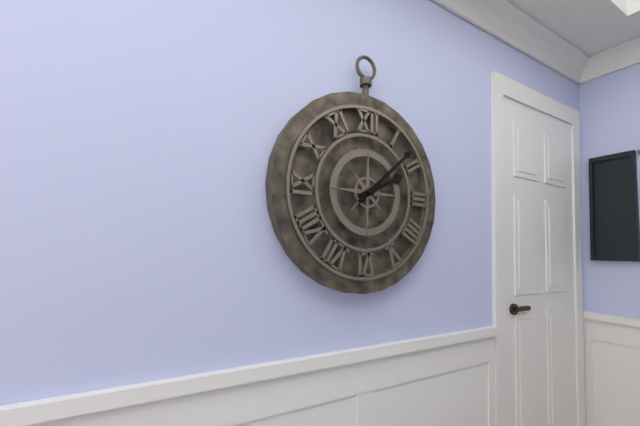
2:08
